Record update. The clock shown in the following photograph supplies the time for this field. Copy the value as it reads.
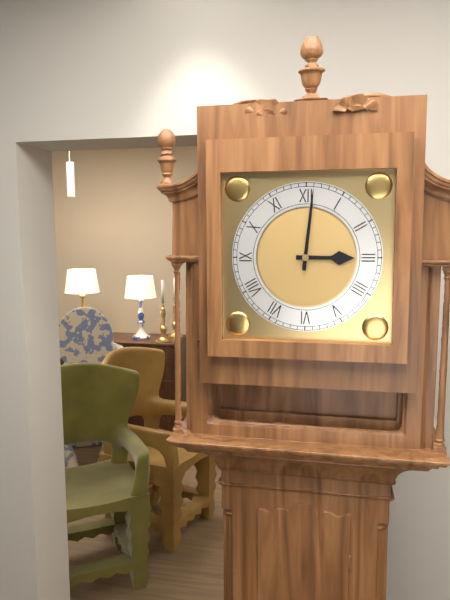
3:01
